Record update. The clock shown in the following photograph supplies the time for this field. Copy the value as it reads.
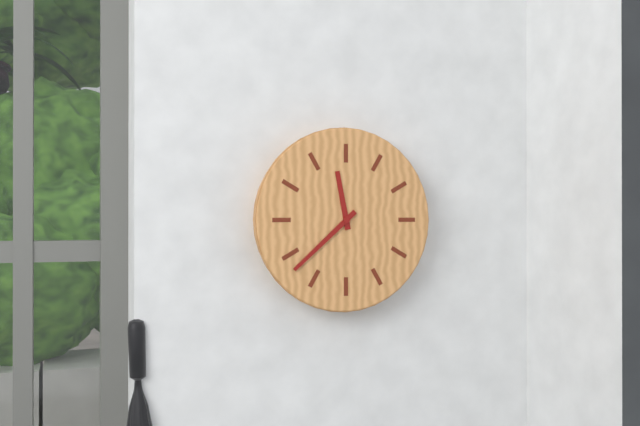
11:38
